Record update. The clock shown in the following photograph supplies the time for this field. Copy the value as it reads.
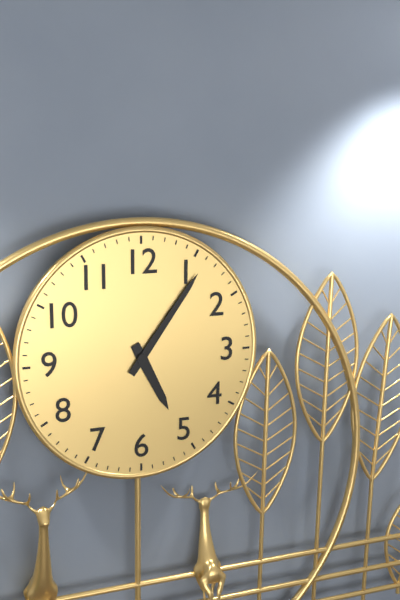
5:06
